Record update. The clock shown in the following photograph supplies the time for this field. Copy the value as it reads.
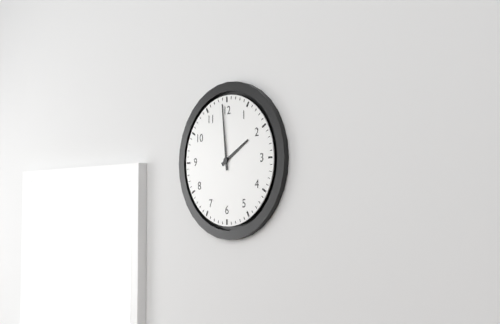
1:59
